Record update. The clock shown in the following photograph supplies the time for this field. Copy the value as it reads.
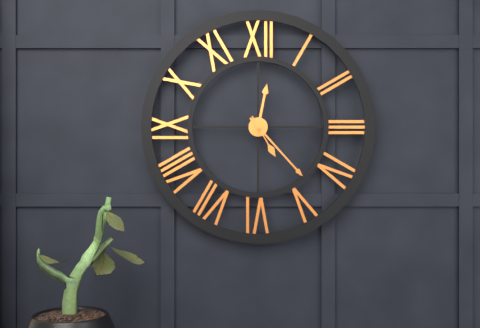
12:23
